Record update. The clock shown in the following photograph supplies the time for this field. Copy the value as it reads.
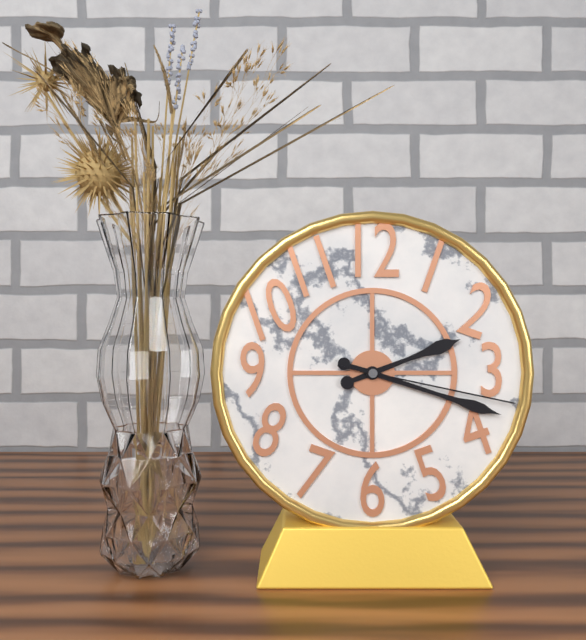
2:18:17
